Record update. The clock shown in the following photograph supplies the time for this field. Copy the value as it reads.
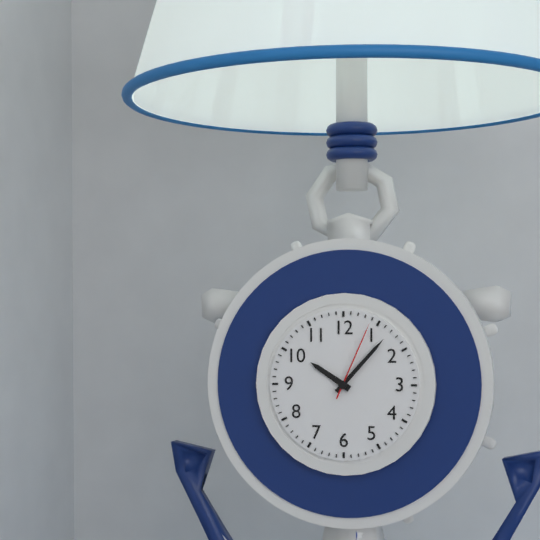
10:07:04
